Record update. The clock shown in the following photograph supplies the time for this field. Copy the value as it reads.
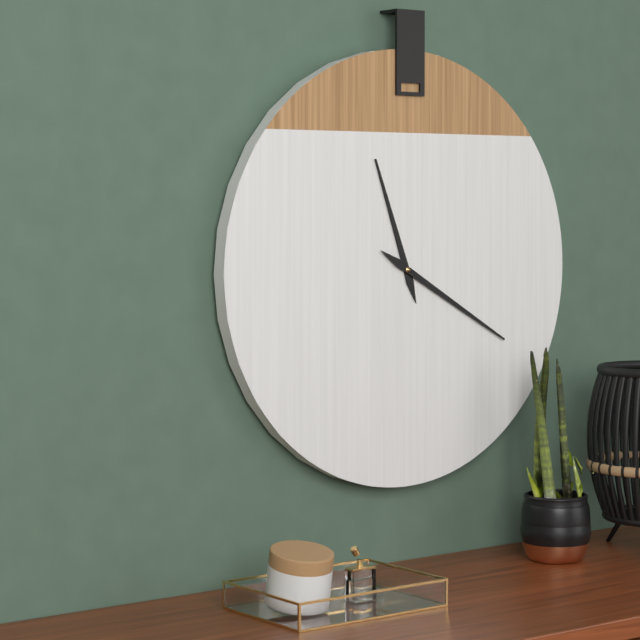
11:20
